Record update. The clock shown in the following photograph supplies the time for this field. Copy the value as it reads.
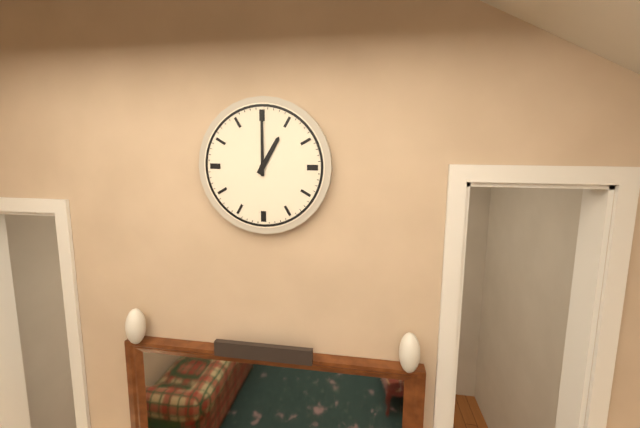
1:00
